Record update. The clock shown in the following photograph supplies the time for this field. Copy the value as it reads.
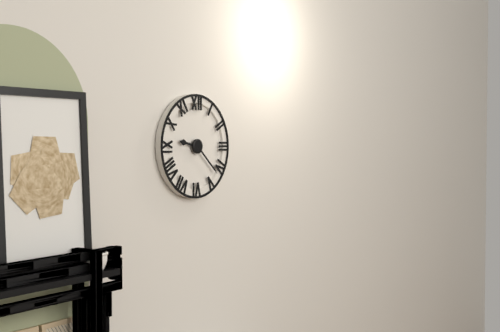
9:22
